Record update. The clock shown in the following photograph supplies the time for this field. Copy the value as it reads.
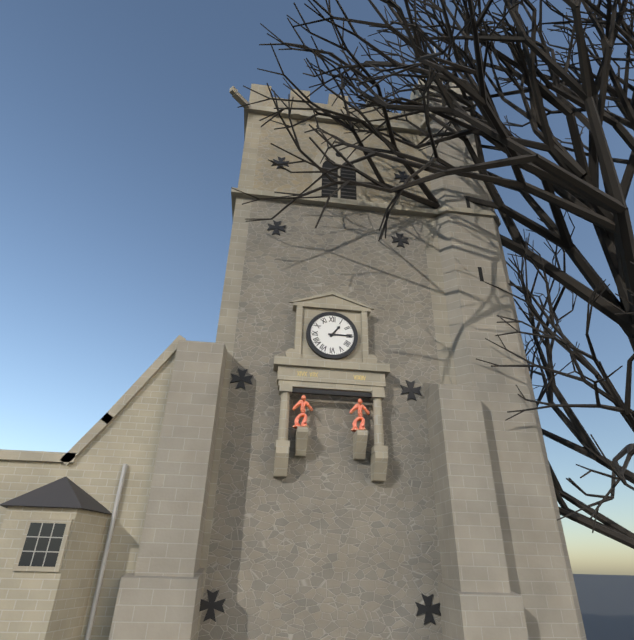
1:15
